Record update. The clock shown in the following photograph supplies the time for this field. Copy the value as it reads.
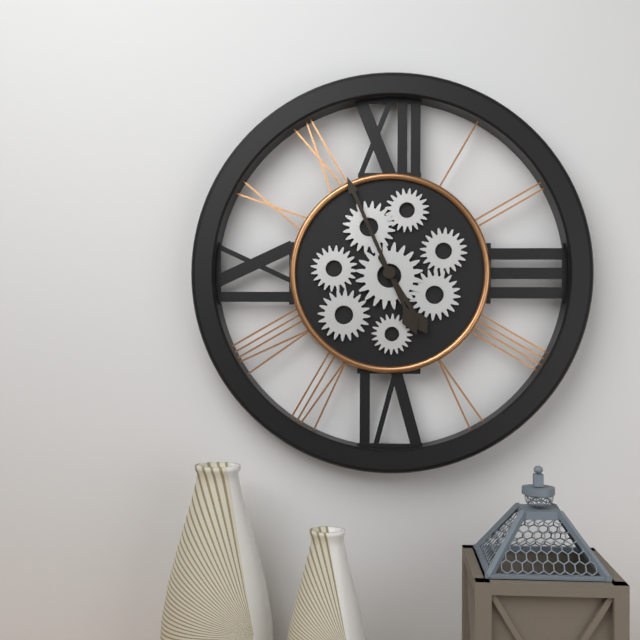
4:56
